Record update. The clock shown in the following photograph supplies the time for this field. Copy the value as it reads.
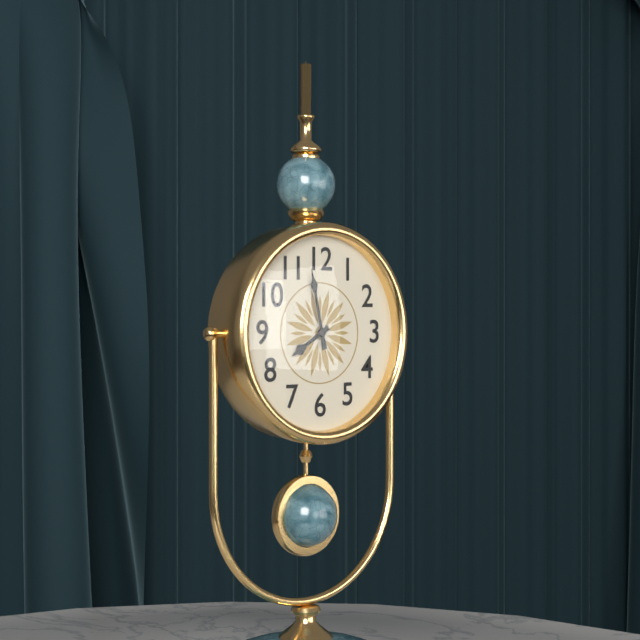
7:58
